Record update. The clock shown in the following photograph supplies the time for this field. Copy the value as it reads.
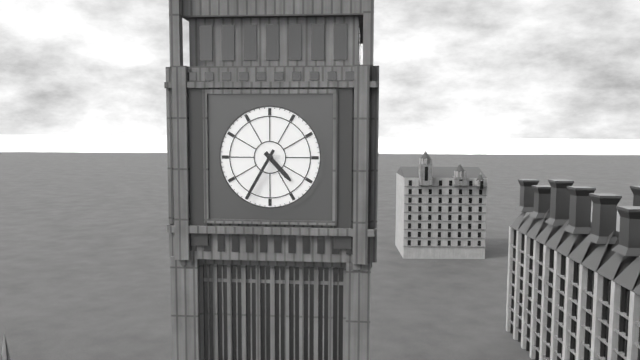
4:35
